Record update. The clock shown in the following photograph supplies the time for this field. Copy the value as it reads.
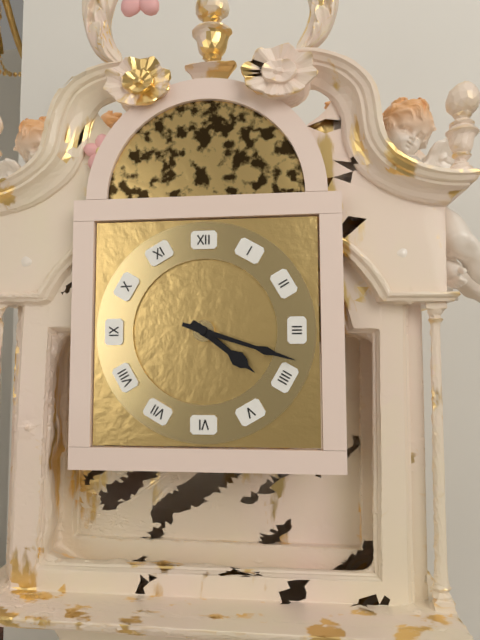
4:18
